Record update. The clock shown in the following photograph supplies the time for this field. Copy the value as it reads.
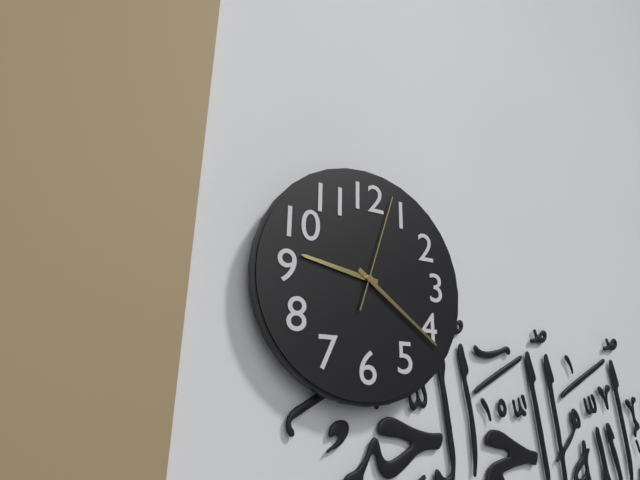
9:21:03
